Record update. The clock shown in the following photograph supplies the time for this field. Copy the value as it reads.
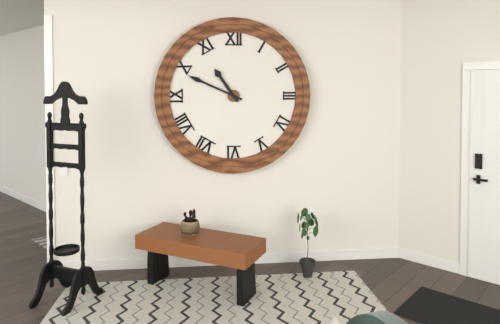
10:49
